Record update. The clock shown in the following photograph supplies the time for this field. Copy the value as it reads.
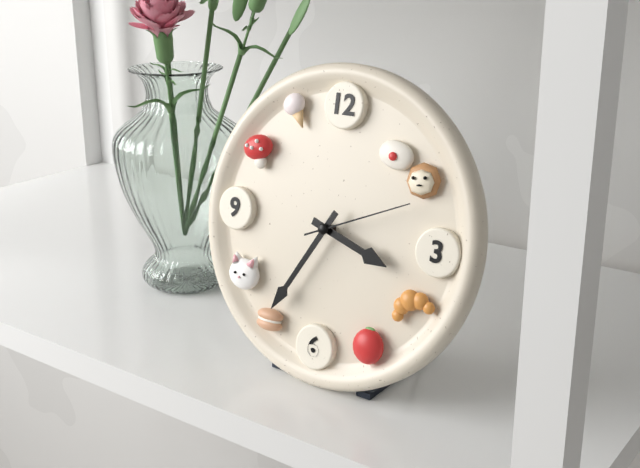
3:35:11
